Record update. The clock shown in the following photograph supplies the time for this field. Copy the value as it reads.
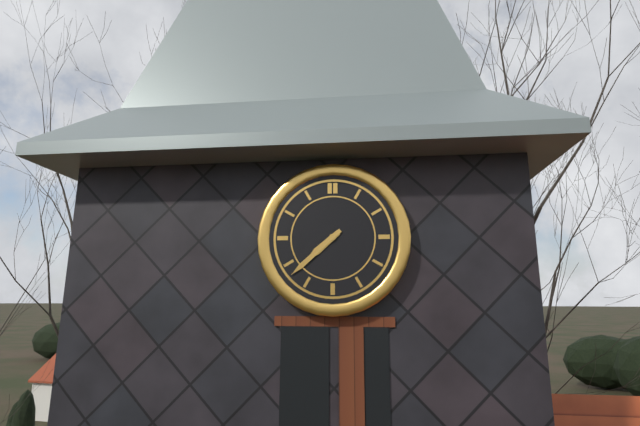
7:38
